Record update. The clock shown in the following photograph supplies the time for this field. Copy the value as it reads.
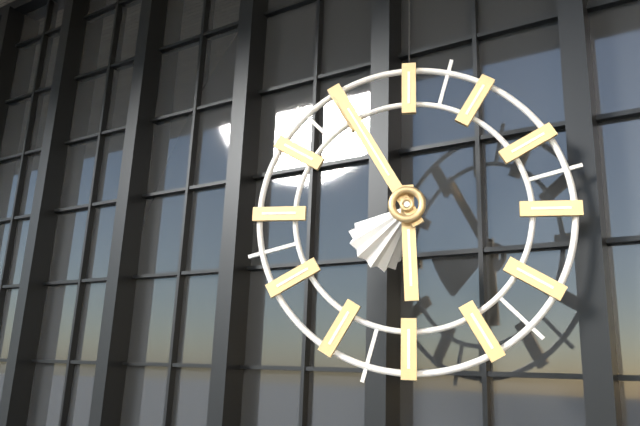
5:55
